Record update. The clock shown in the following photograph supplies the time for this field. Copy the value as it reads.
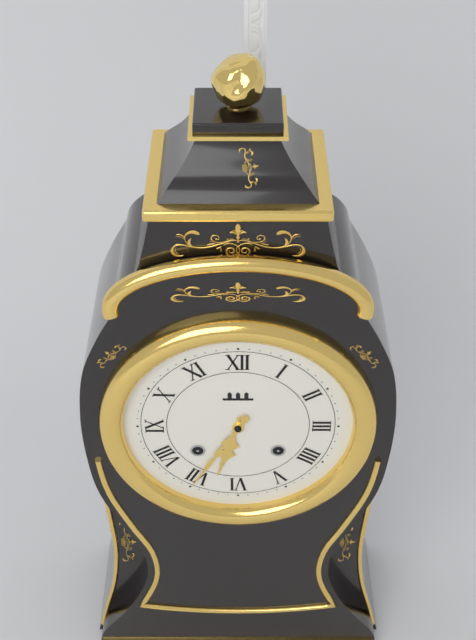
6:35
